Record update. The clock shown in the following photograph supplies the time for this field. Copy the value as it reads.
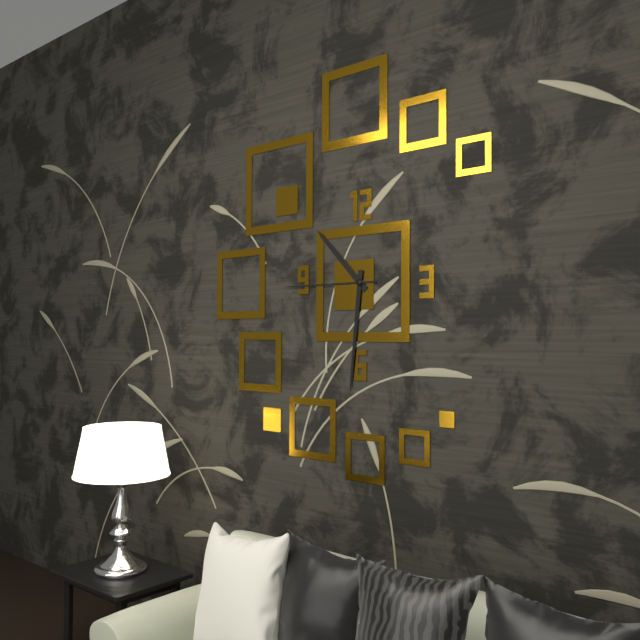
10:31:45
